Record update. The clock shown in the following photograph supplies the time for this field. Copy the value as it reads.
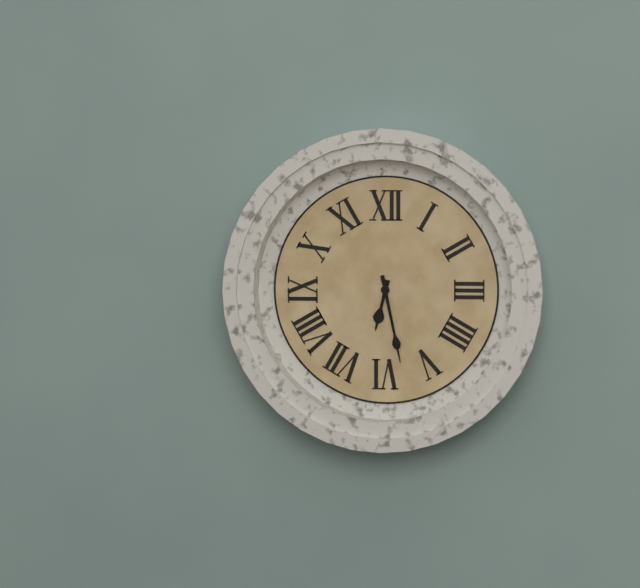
6:28
